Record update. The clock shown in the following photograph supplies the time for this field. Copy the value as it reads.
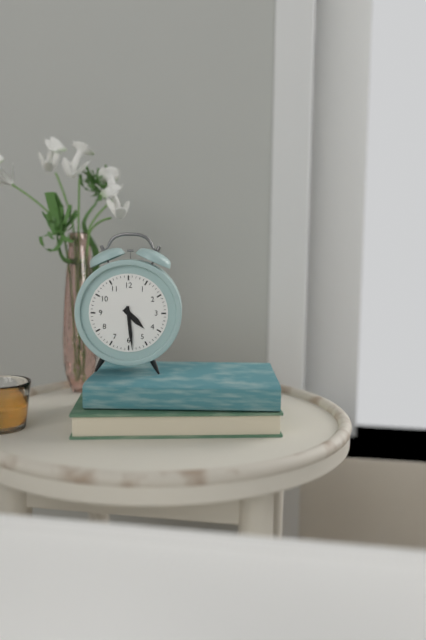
4:29
